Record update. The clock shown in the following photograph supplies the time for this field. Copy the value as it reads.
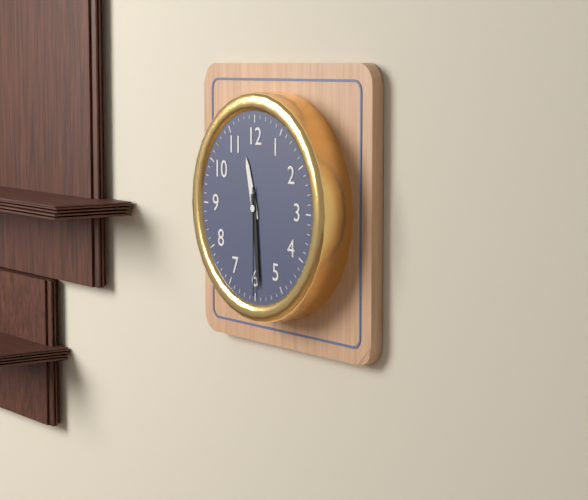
11:29:30
